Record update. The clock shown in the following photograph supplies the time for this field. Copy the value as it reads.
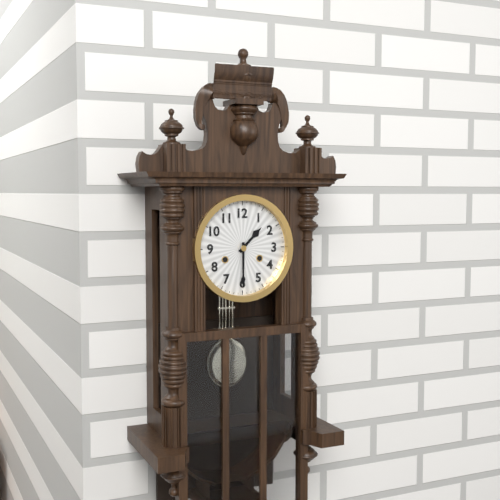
1:30
